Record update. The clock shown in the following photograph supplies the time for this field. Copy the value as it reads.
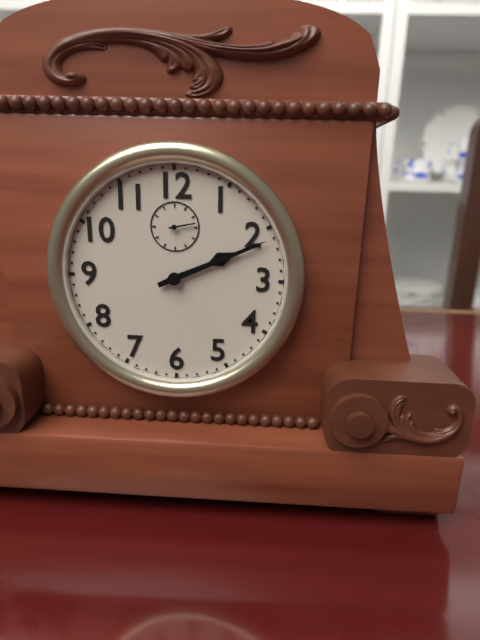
2:11
